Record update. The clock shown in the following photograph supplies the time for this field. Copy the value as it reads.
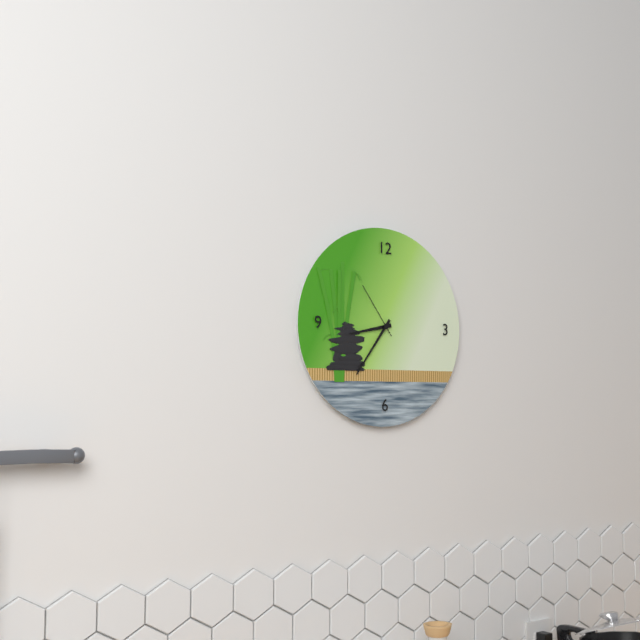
8:36:54
